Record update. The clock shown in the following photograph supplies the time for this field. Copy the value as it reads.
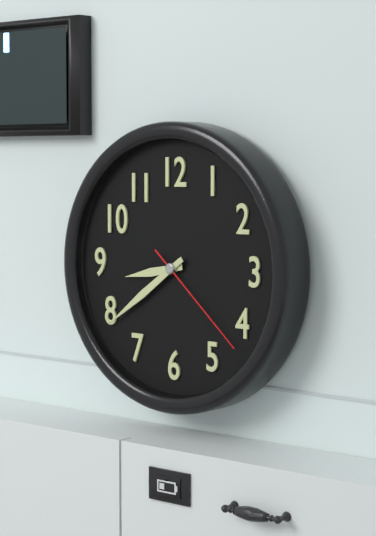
8:39:22
